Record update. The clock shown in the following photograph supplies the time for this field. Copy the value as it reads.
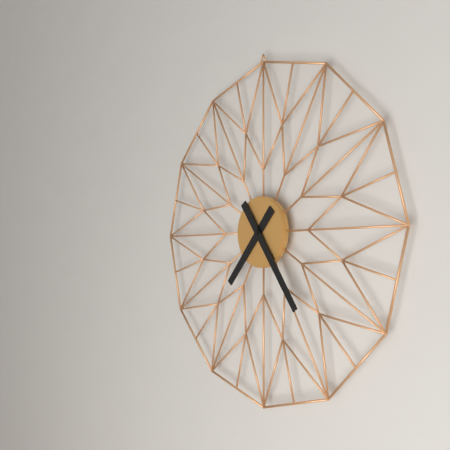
7:24
